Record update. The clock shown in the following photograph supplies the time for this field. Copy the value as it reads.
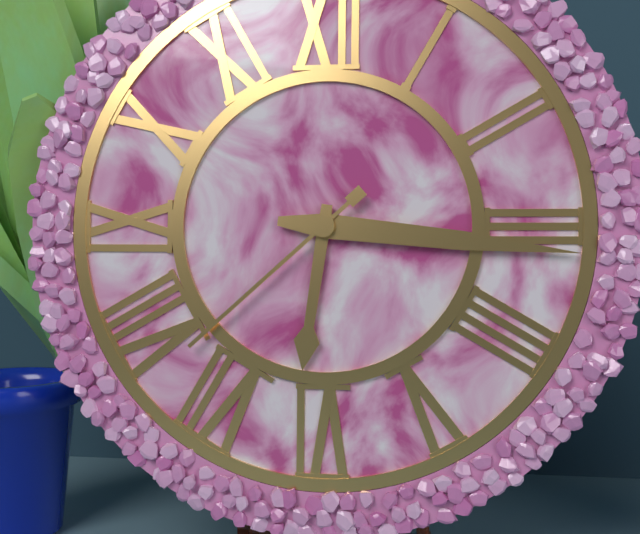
6:16:38
